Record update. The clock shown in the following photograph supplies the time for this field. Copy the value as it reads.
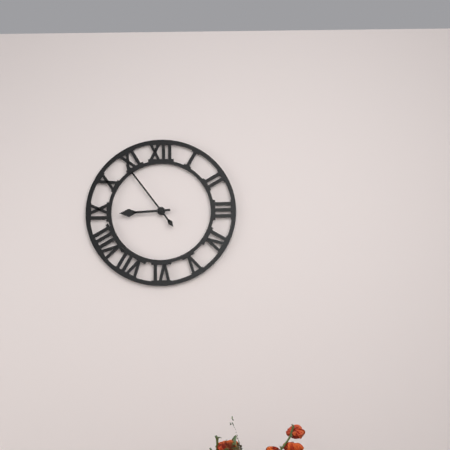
8:54
